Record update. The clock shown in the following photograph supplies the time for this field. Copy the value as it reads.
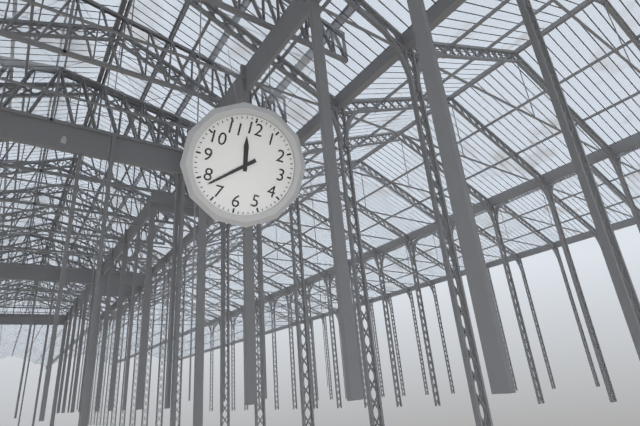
11:38
